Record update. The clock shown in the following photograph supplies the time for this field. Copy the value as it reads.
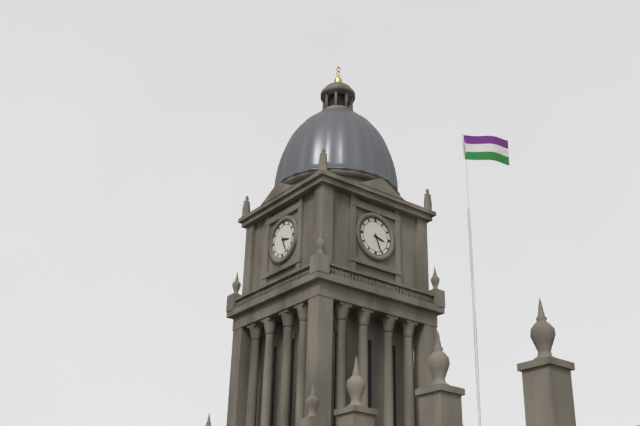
3:26
